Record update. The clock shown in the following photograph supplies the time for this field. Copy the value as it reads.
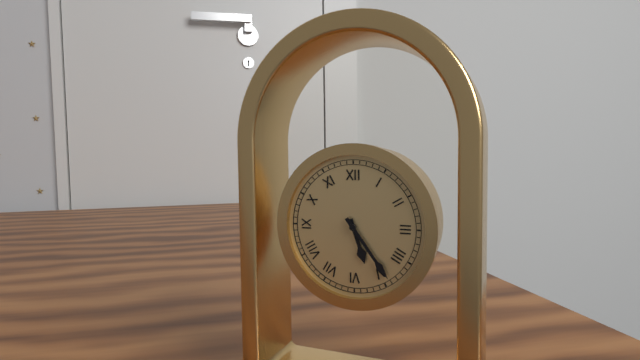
5:24
